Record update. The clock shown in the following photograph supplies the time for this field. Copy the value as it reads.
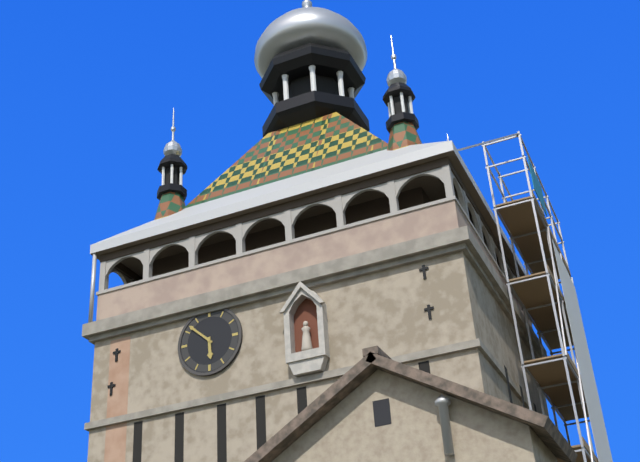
5:52
